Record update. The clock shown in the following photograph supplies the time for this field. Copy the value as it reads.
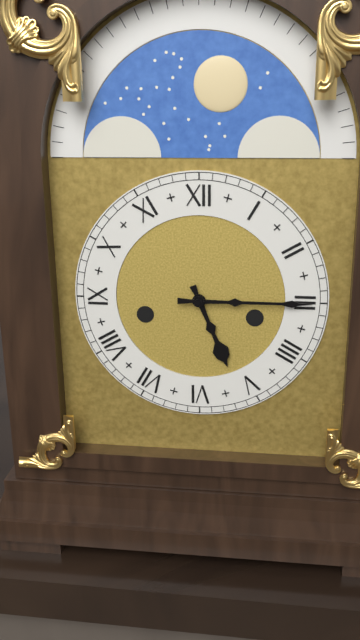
5:15
